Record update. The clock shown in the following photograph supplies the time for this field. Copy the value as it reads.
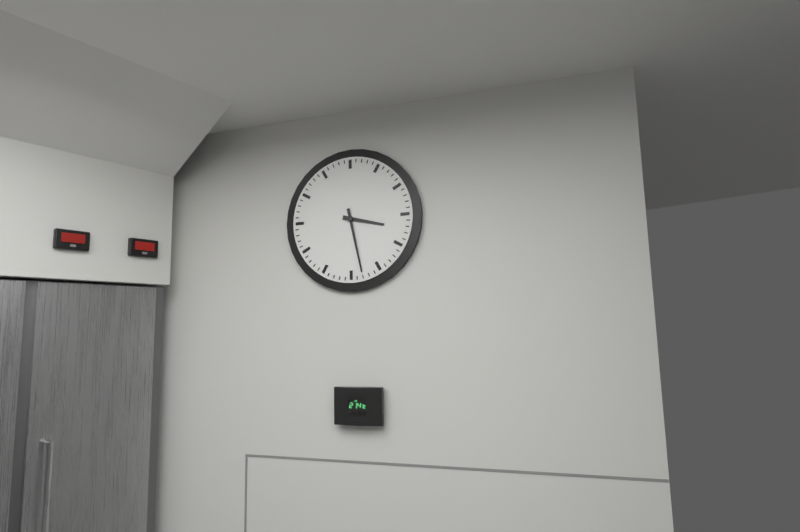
3:28
